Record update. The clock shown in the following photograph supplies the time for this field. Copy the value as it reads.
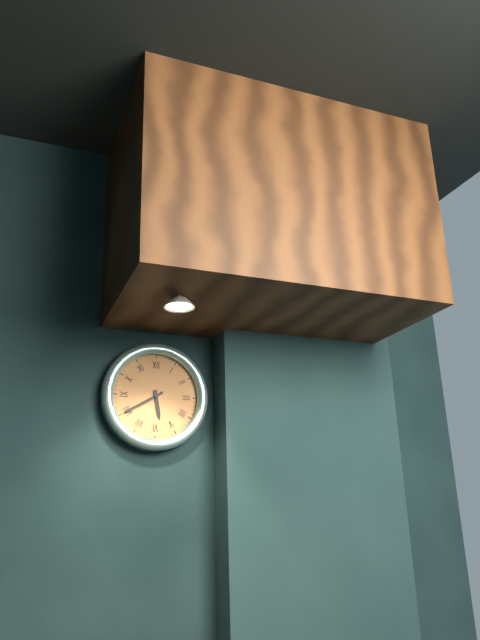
5:40
